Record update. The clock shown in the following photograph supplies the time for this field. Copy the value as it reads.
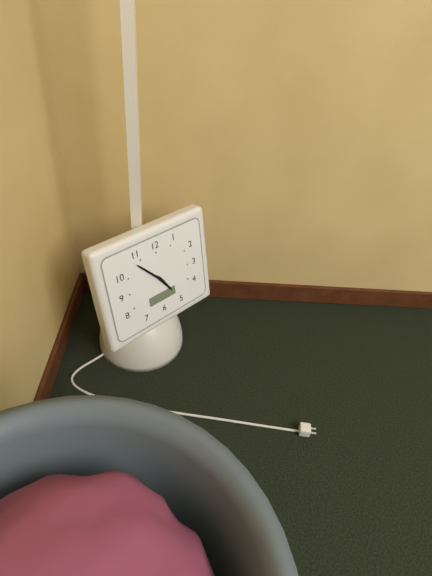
4:53
